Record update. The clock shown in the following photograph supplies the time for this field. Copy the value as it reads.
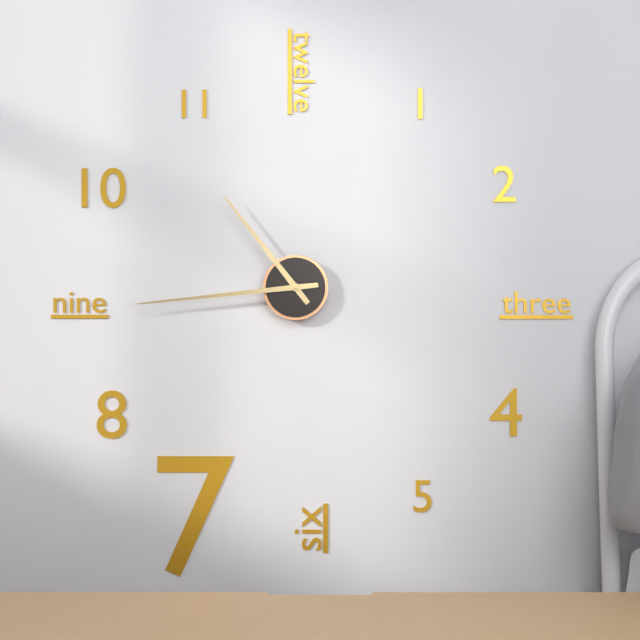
10:44
